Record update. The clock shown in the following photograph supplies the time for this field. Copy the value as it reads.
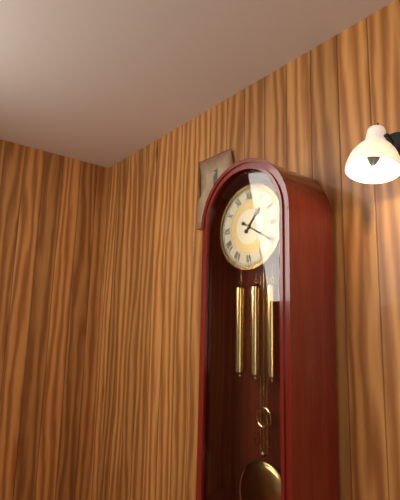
1:20
